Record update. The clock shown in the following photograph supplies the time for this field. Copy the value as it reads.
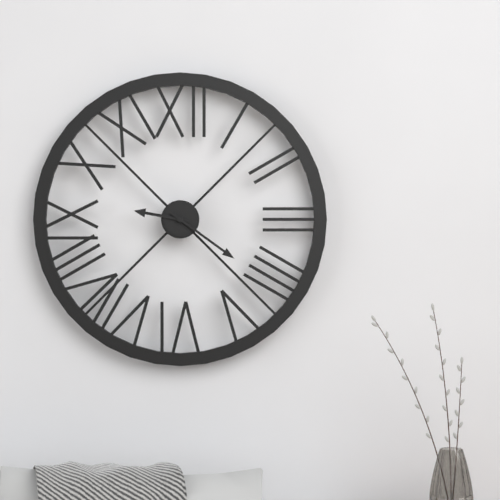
9:21
